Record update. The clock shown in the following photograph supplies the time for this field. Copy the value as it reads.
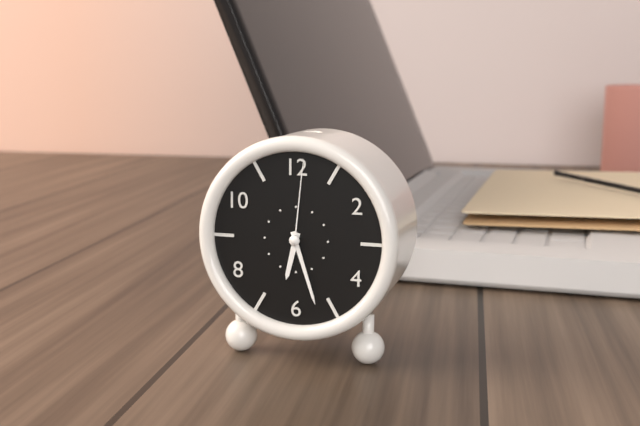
6:27:01
